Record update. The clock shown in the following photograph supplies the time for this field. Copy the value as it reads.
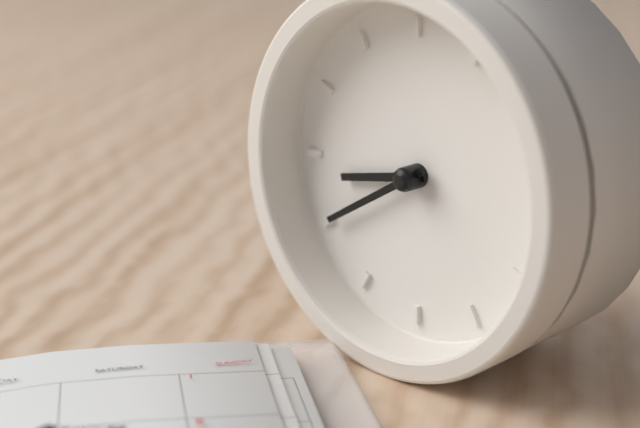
8:40
